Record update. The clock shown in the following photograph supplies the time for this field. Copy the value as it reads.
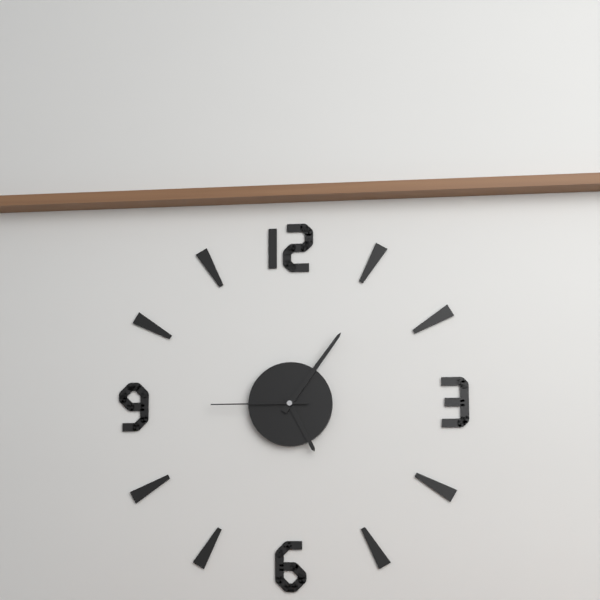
5:06:45
